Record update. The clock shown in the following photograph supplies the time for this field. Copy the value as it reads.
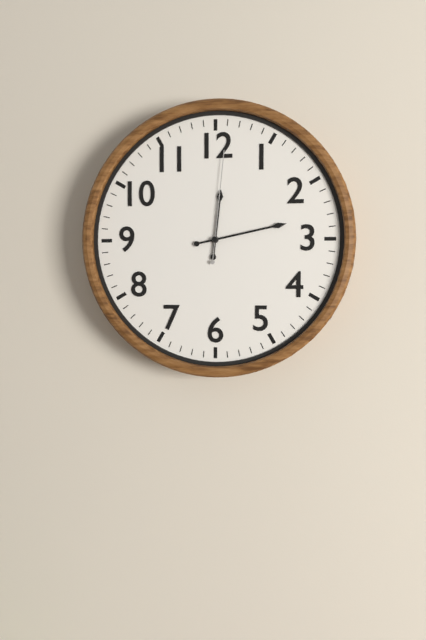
12:13:01
